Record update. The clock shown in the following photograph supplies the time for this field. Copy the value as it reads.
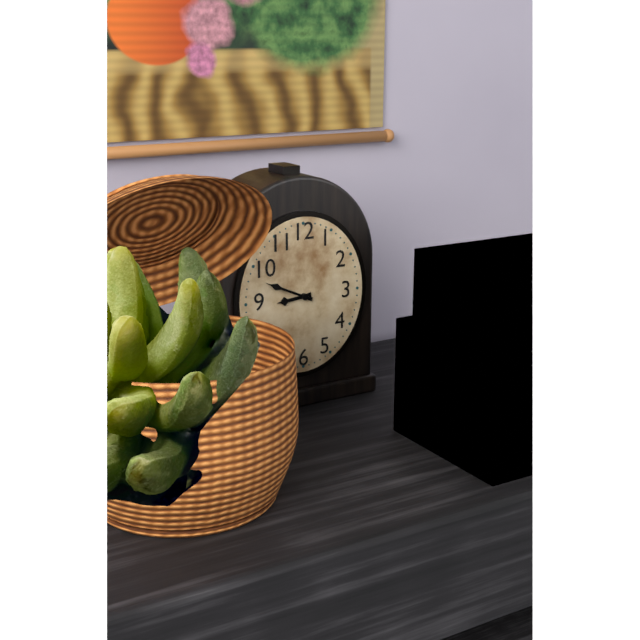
8:49
